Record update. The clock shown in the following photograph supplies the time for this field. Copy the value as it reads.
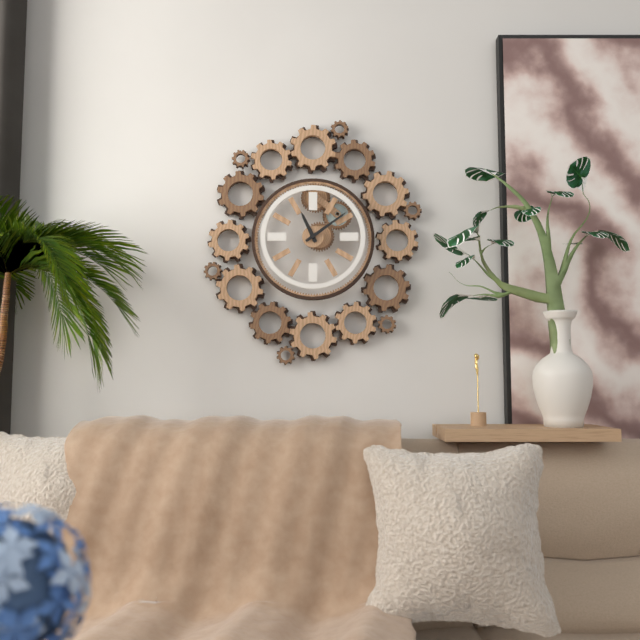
11:09
